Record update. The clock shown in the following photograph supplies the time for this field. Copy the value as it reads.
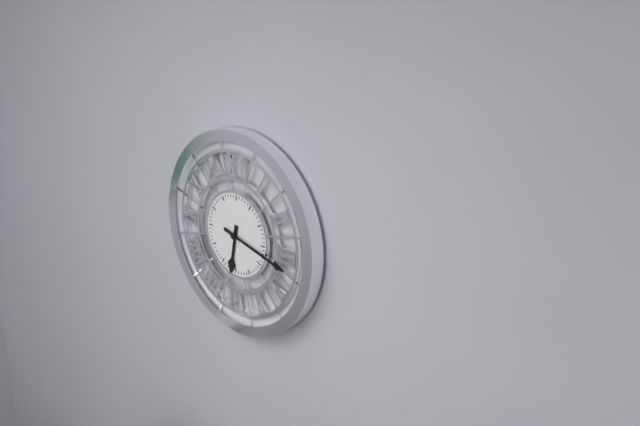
6:17
